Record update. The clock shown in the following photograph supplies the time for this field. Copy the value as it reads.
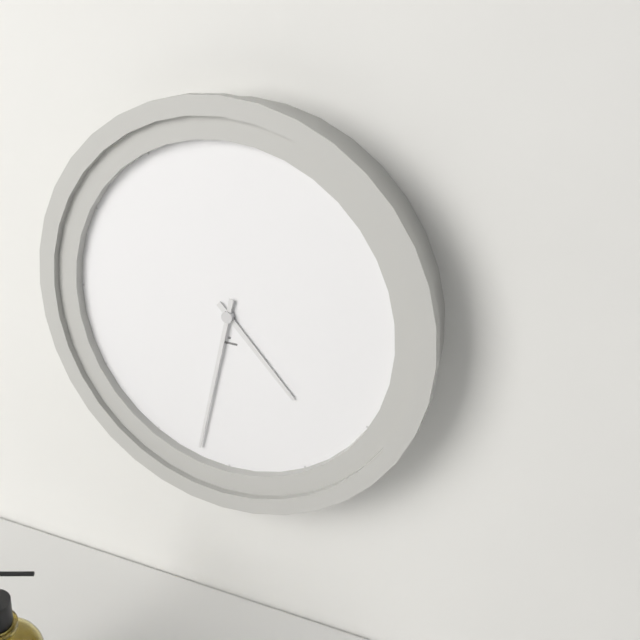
4:32
